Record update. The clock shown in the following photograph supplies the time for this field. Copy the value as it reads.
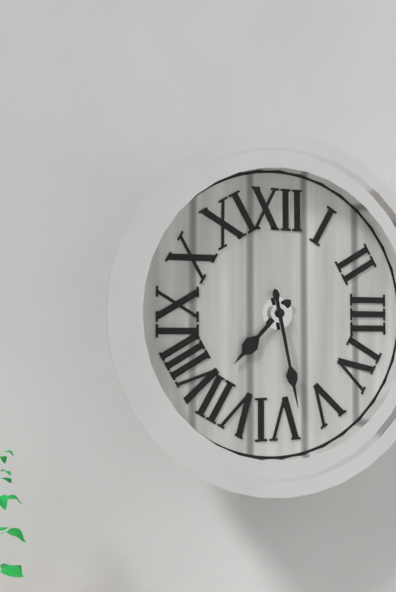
7:28
